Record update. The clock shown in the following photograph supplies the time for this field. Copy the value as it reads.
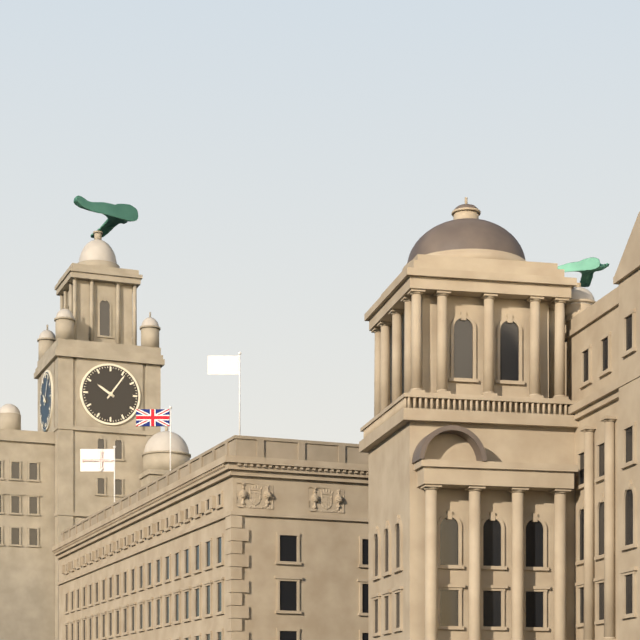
10:06
